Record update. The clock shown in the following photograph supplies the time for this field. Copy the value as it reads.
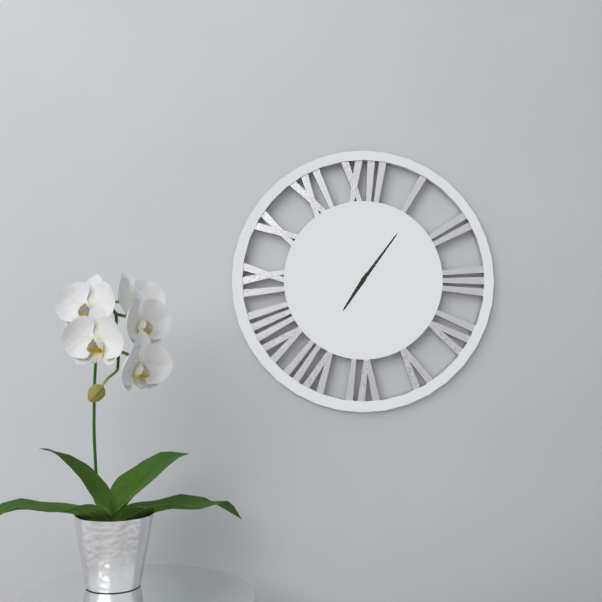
7:06
